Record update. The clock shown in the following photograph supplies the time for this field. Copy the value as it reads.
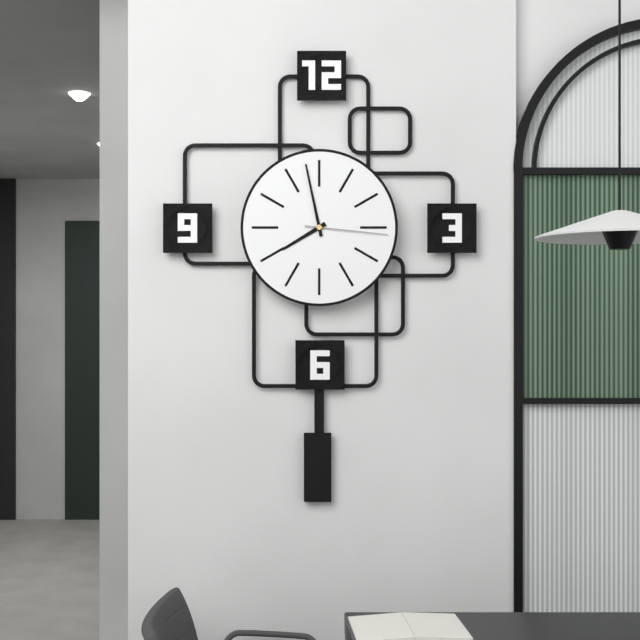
7:58:16
